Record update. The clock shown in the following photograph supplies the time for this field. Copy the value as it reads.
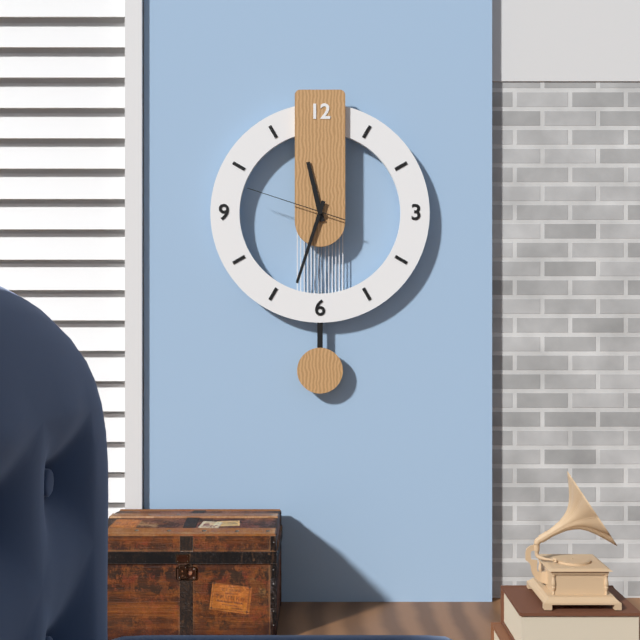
11:33:48
